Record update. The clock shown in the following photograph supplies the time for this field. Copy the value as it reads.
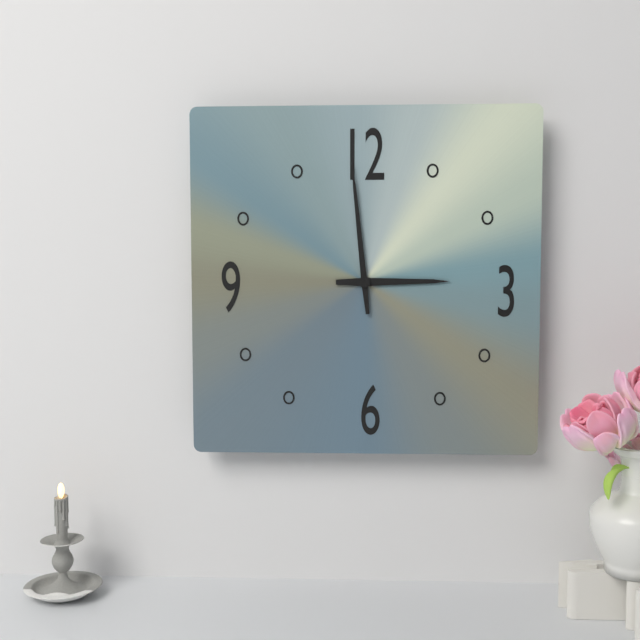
2:59
